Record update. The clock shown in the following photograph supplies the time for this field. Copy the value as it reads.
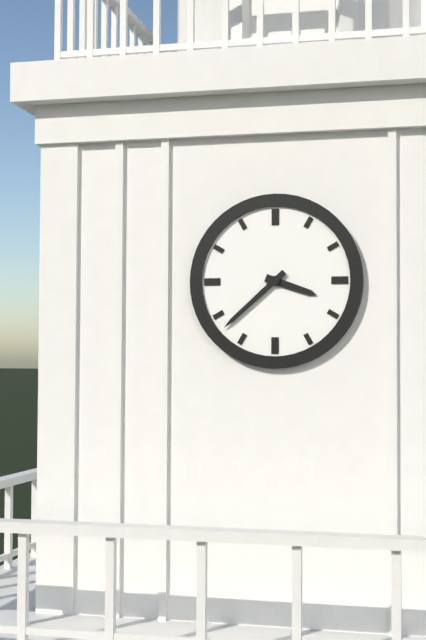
3:38
